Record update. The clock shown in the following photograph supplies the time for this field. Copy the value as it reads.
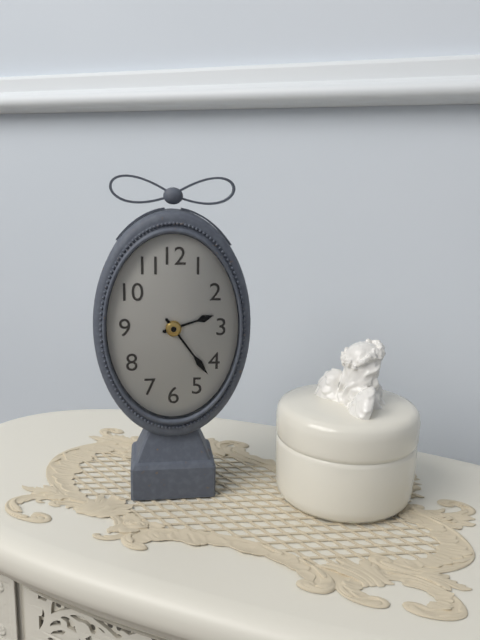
2:24
